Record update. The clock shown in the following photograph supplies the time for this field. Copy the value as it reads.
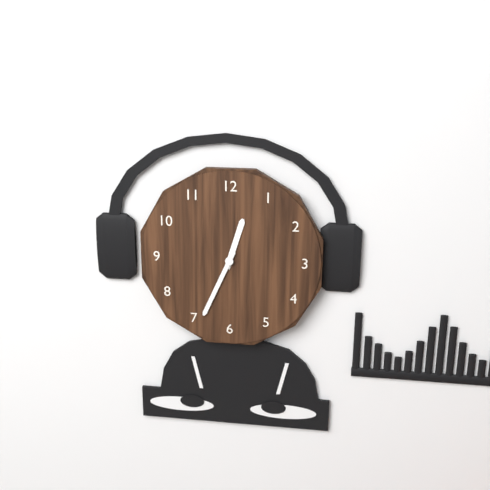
12:34
